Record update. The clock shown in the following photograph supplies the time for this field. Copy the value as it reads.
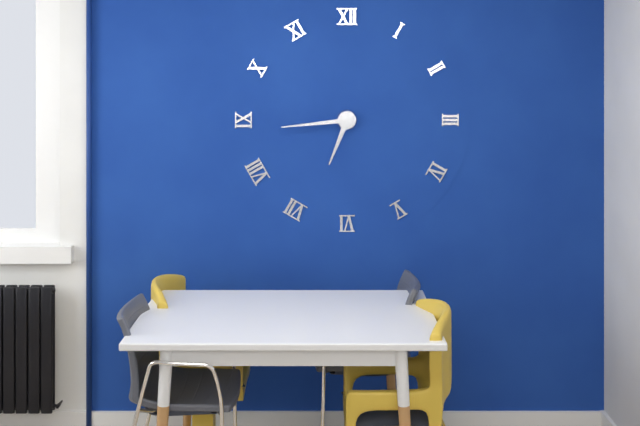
6:44
